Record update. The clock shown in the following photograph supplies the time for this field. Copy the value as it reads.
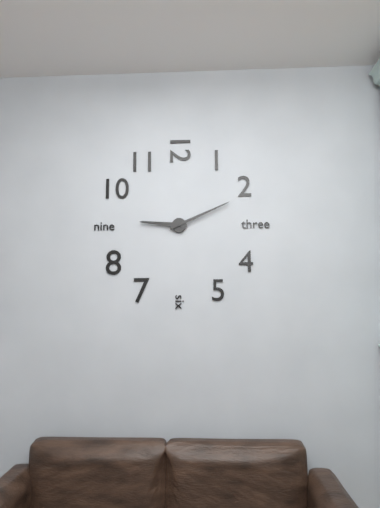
9:11
